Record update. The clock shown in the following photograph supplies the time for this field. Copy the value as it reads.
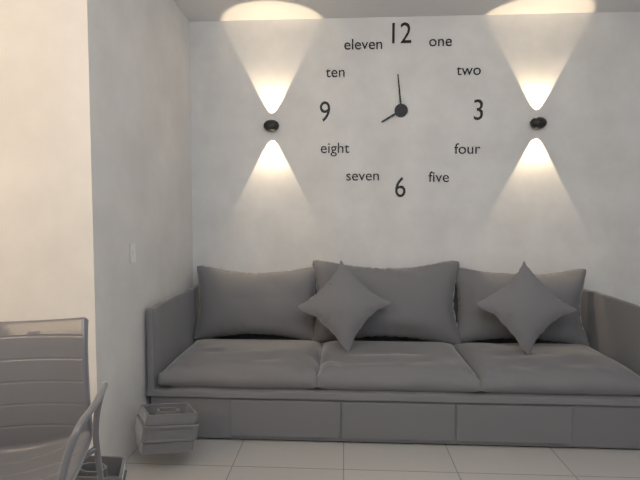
7:59
